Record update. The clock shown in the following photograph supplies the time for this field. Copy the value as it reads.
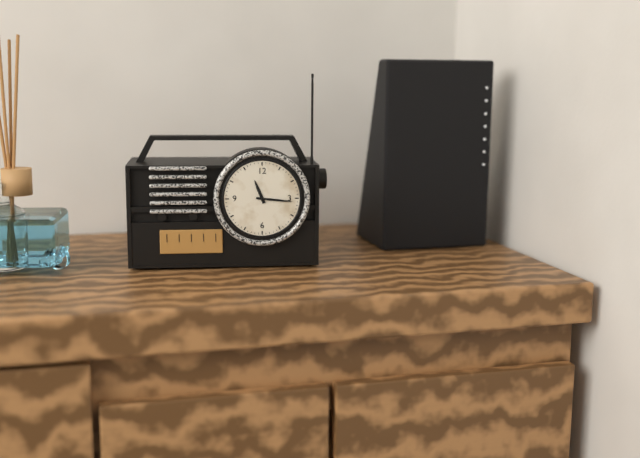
11:16
